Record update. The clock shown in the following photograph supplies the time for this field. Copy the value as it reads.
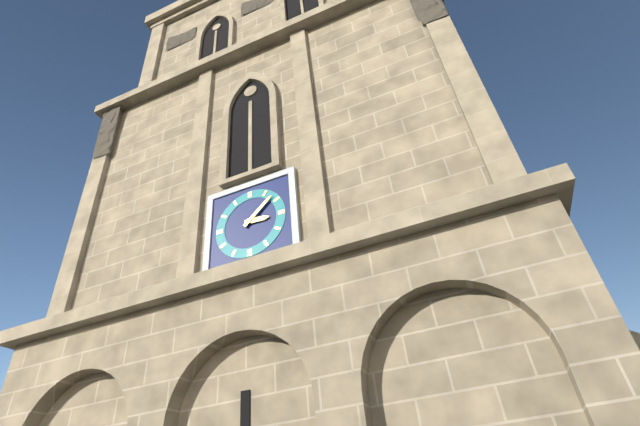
3:08
